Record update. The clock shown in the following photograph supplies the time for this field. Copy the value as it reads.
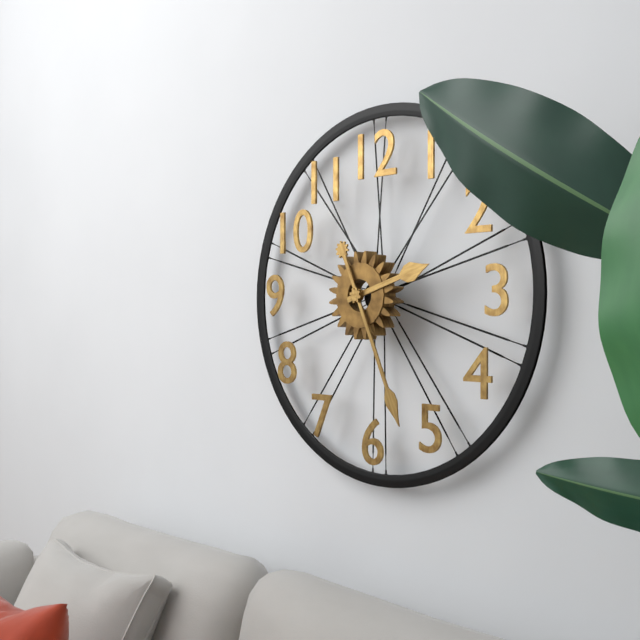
2:26
